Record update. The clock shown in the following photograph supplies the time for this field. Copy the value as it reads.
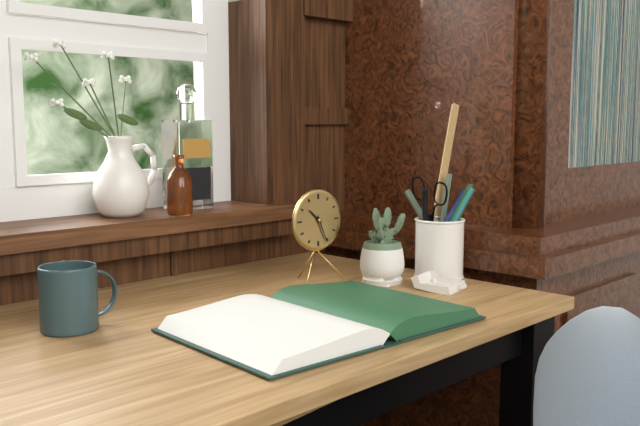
10:26
